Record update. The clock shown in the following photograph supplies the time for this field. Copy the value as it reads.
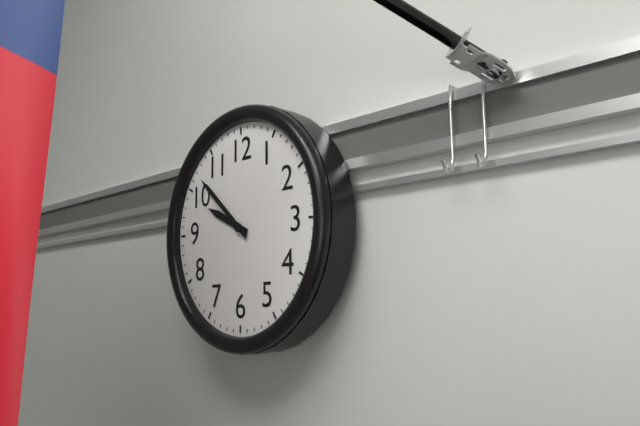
9:52
